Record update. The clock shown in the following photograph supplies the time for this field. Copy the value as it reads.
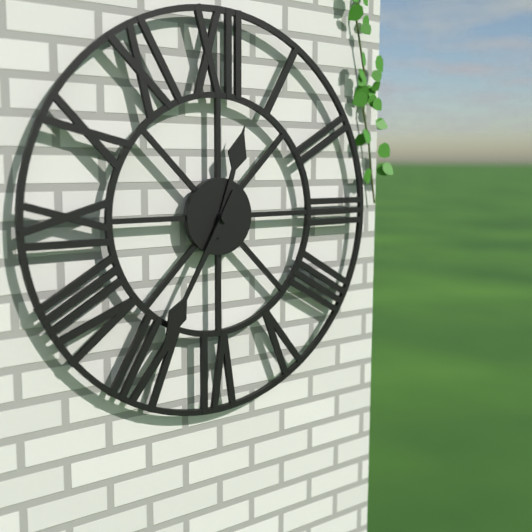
12:35
